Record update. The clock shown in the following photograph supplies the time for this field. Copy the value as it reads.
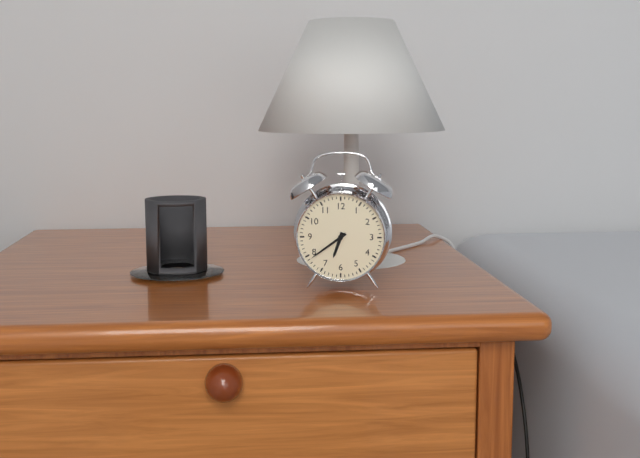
6:39
